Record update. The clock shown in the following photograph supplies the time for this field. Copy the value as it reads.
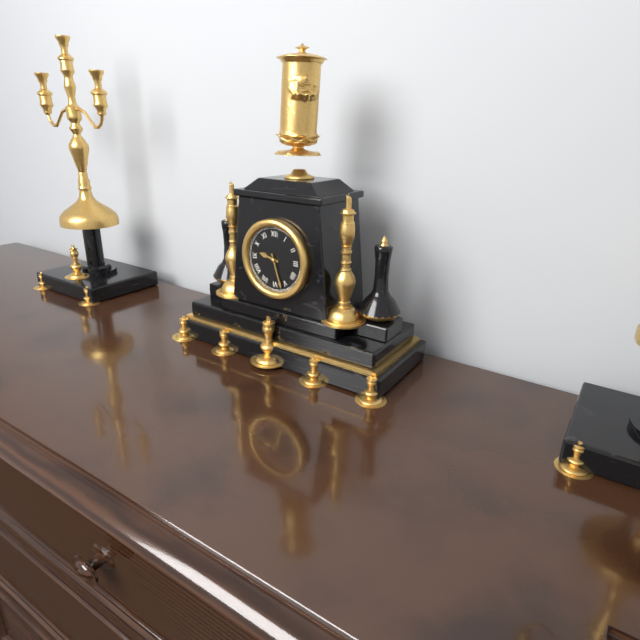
9:27
